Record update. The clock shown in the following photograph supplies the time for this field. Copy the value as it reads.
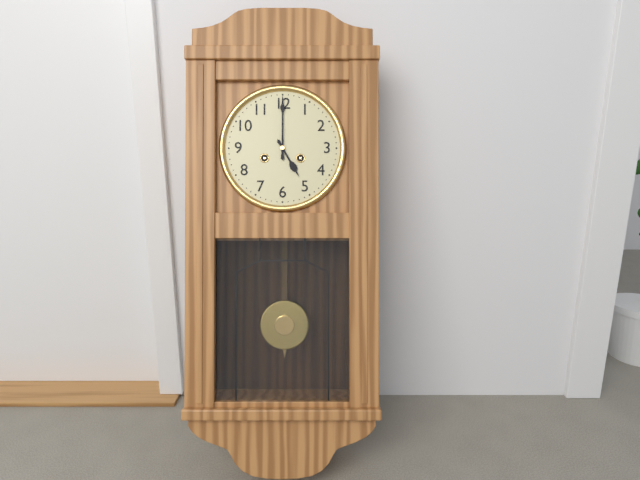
5:00
